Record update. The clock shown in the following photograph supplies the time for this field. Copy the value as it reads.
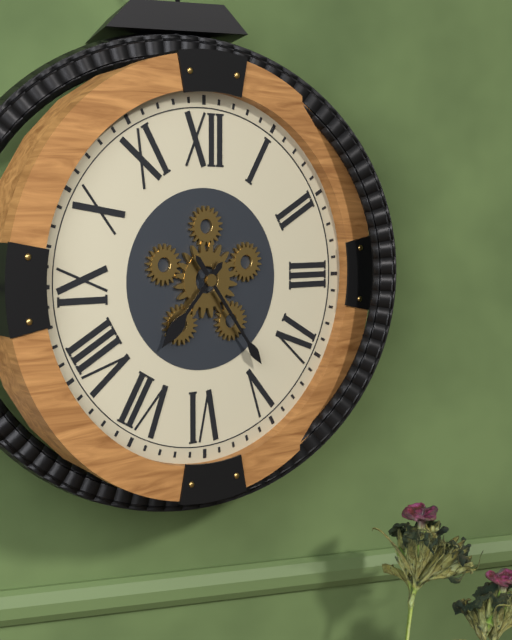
7:24
